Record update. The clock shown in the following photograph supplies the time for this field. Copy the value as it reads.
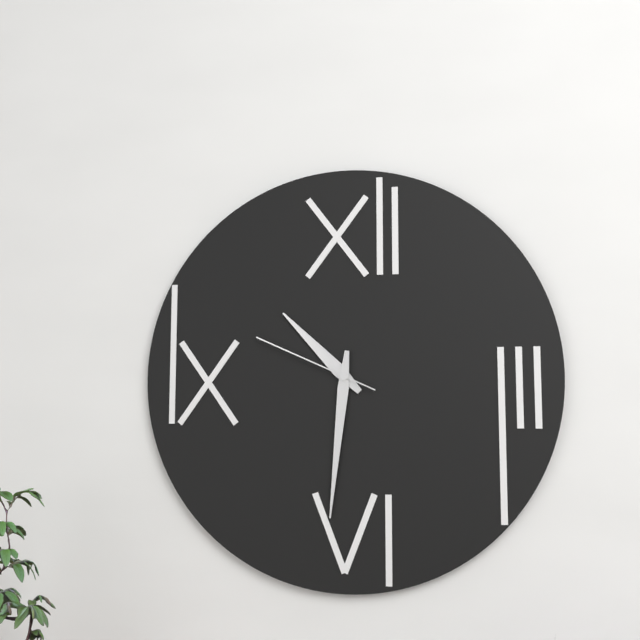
10:31:49
